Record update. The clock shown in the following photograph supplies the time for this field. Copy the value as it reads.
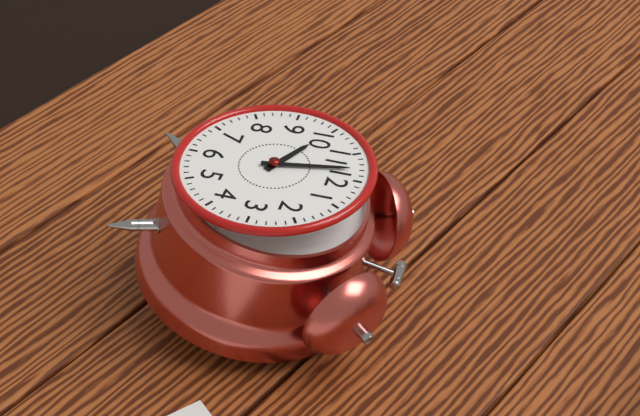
9:58
